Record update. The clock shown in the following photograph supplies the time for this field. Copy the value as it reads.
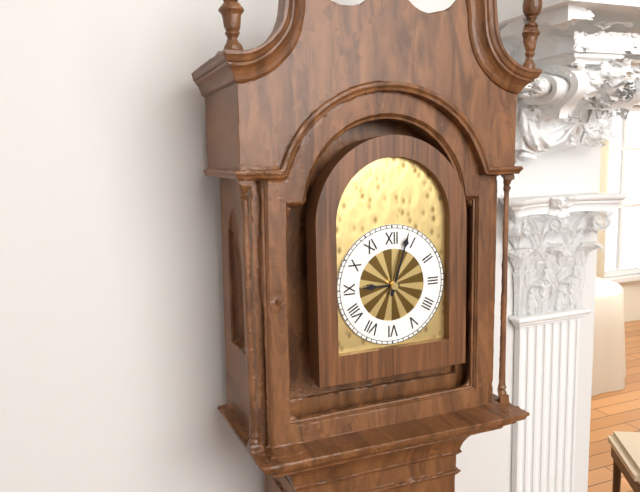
9:03
